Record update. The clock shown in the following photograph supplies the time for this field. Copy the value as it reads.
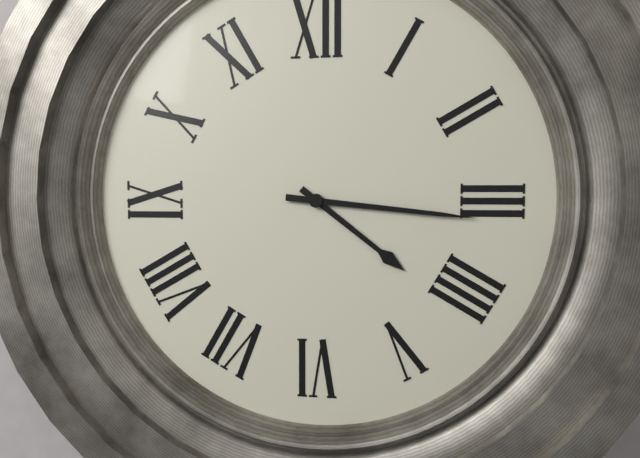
4:16
